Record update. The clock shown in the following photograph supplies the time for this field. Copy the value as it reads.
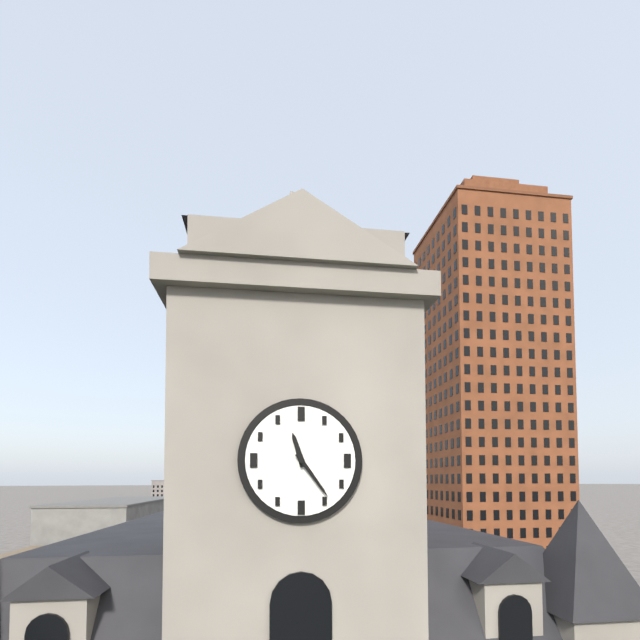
11:24
